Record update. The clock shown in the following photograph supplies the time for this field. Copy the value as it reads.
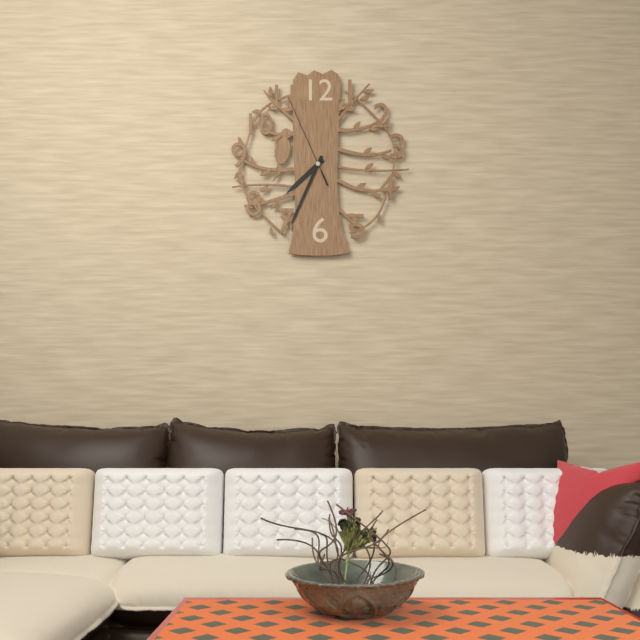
7:34:56
